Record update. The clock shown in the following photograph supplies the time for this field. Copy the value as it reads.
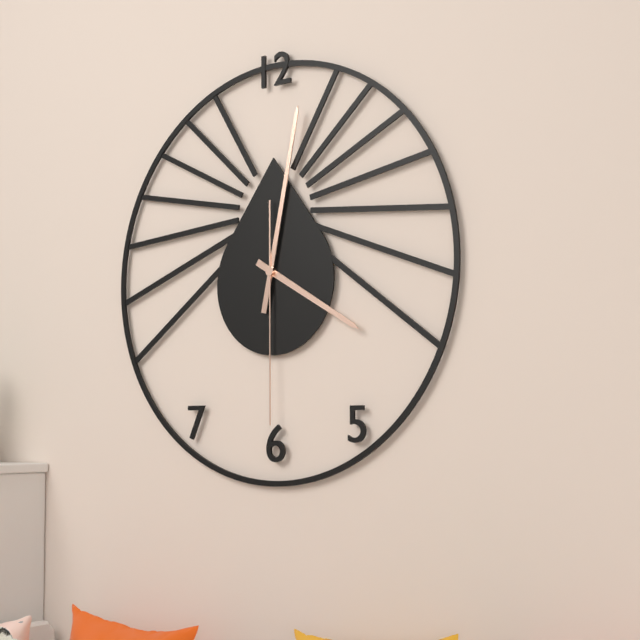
4:02:30
